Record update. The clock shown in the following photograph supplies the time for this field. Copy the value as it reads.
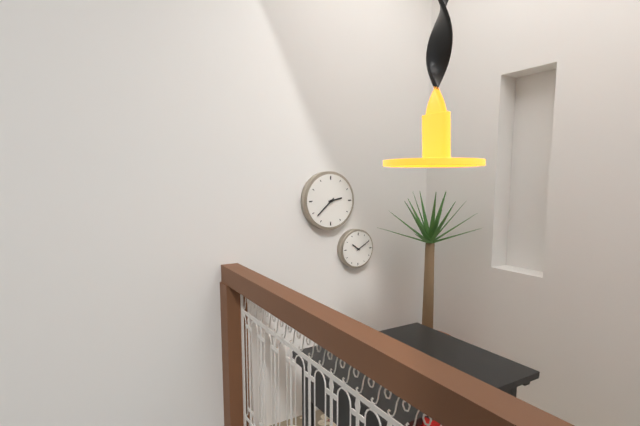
2:38
